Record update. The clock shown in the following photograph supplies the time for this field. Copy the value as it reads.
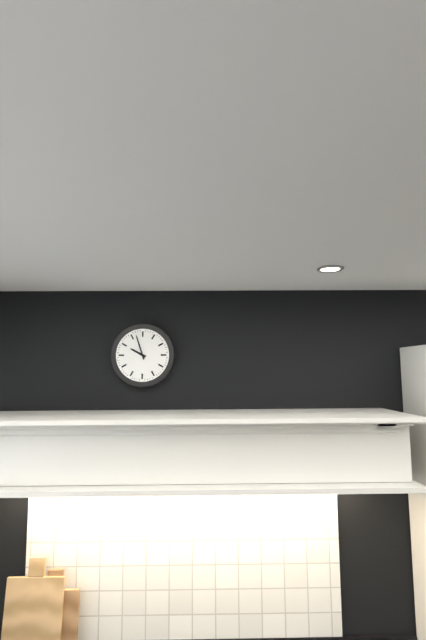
9:57
